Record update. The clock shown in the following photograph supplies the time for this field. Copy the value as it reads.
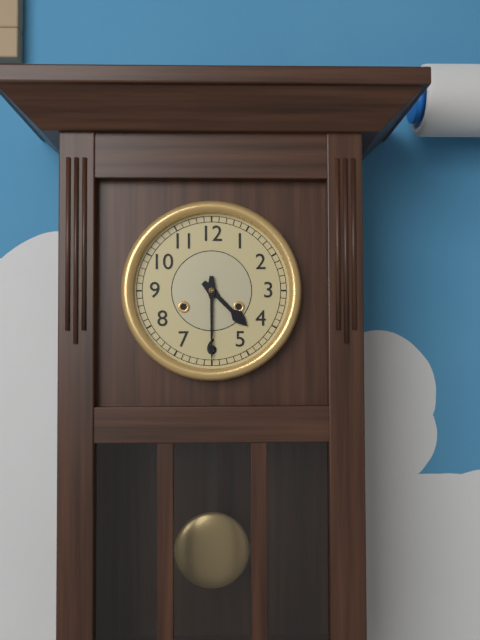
4:30
